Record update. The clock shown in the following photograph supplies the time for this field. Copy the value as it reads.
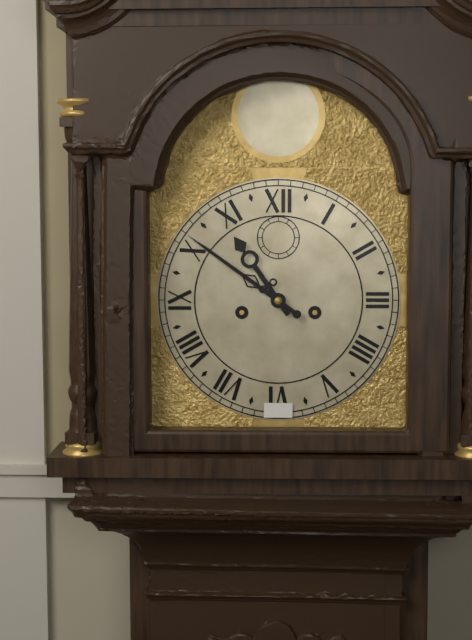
10:51
